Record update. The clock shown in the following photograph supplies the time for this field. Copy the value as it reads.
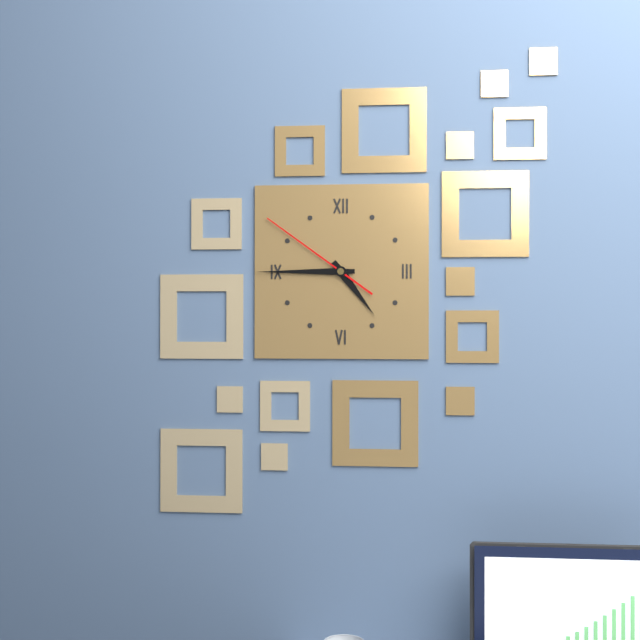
4:45:51
